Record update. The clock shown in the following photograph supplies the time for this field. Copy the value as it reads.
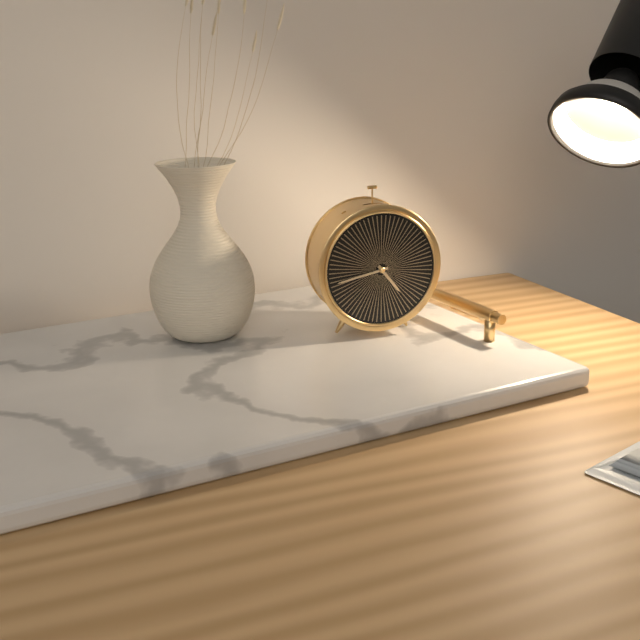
4:43
